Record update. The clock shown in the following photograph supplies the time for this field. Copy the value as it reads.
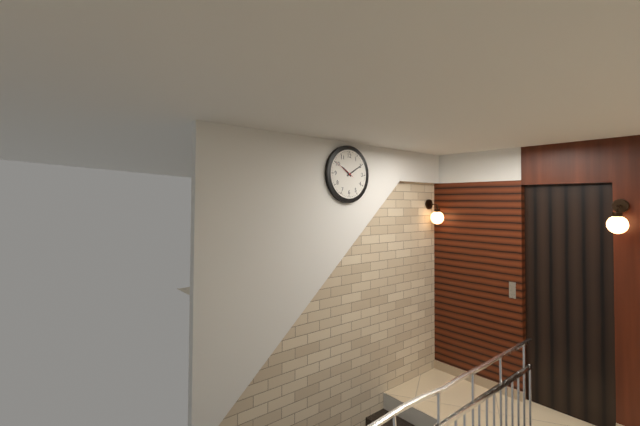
10:10
